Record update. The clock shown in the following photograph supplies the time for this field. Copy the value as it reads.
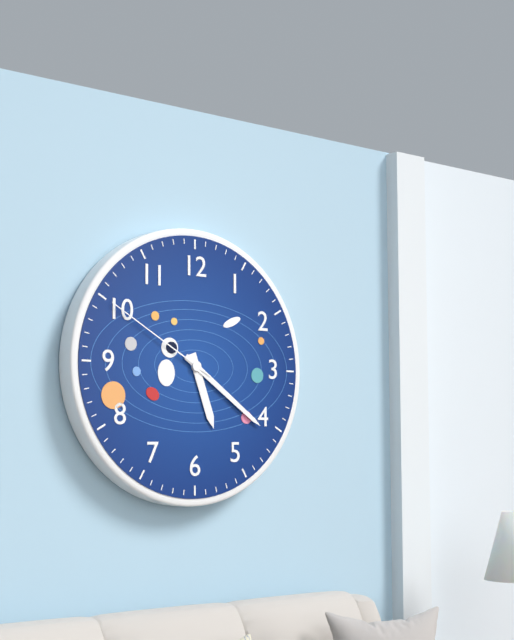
5:21:50
